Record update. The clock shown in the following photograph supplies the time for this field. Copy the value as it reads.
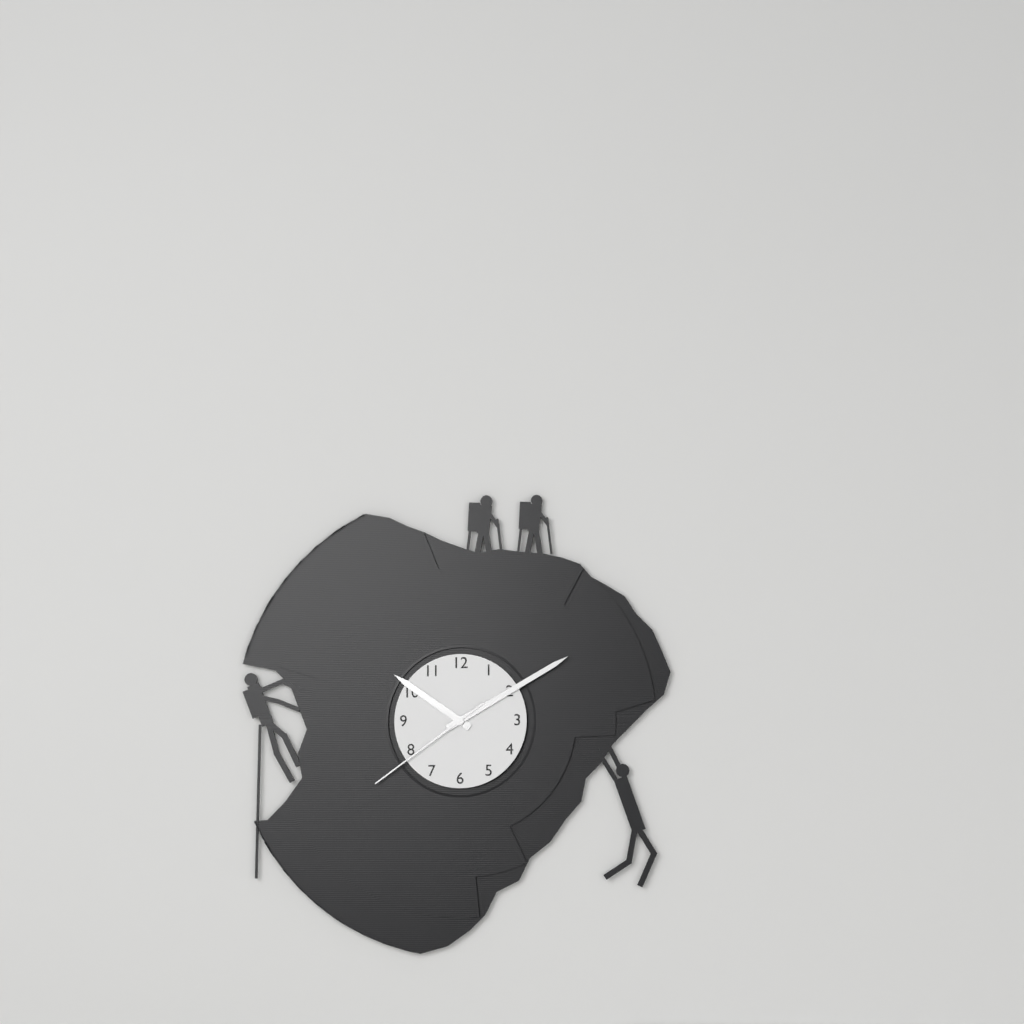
10:10:39
